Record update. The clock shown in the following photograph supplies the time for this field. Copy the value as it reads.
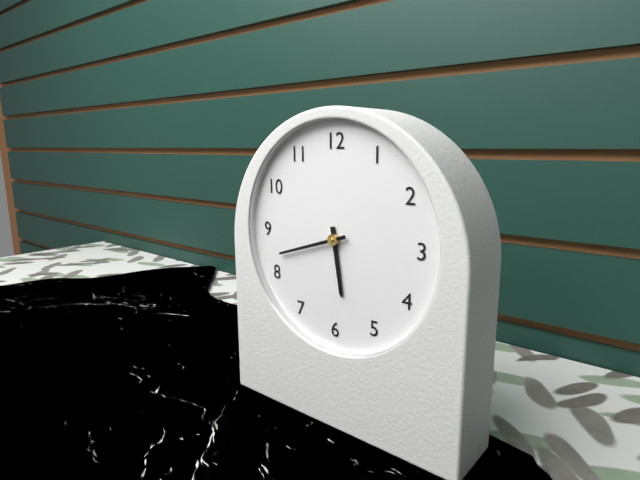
5:42
